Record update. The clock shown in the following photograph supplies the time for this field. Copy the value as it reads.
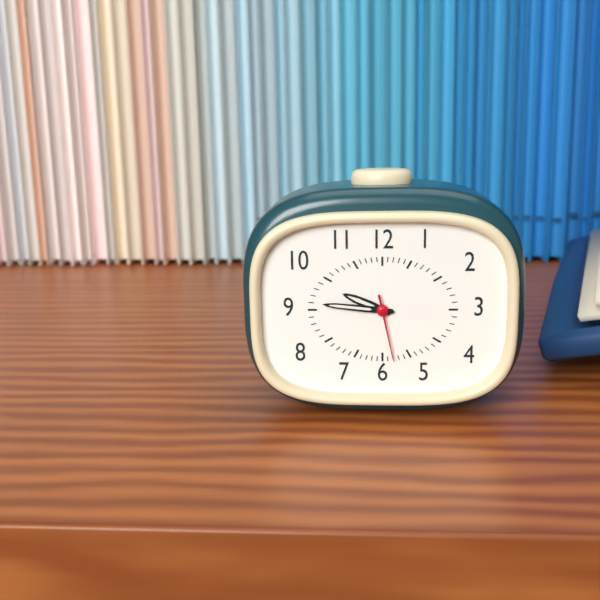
9:46:28
